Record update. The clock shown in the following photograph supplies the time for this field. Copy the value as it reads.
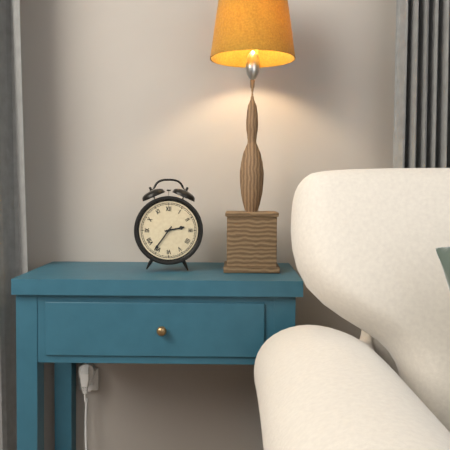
2:36
